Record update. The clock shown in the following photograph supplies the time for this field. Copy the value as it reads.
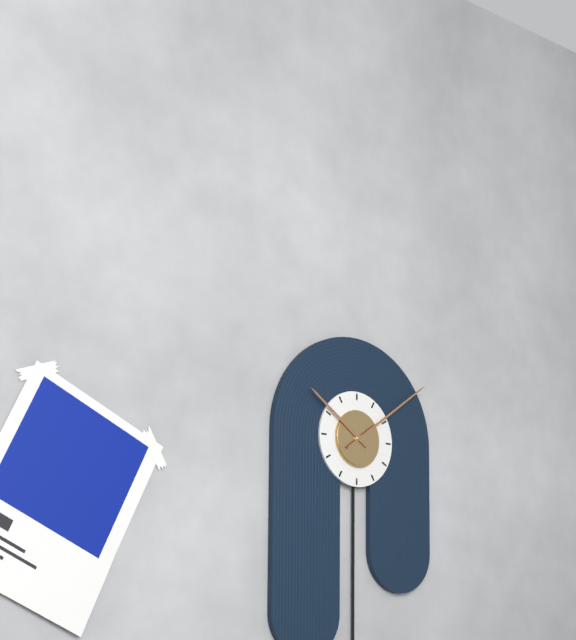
10:09
